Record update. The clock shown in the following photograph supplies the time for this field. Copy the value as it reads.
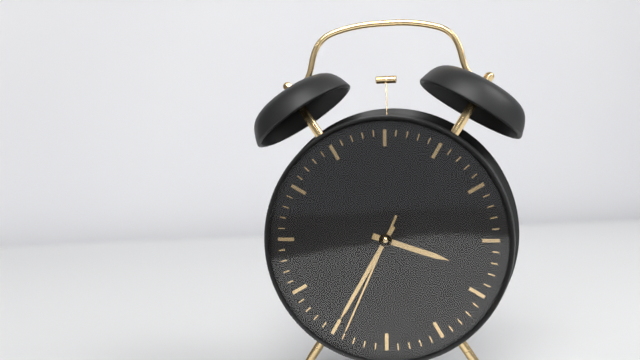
3:35:34
